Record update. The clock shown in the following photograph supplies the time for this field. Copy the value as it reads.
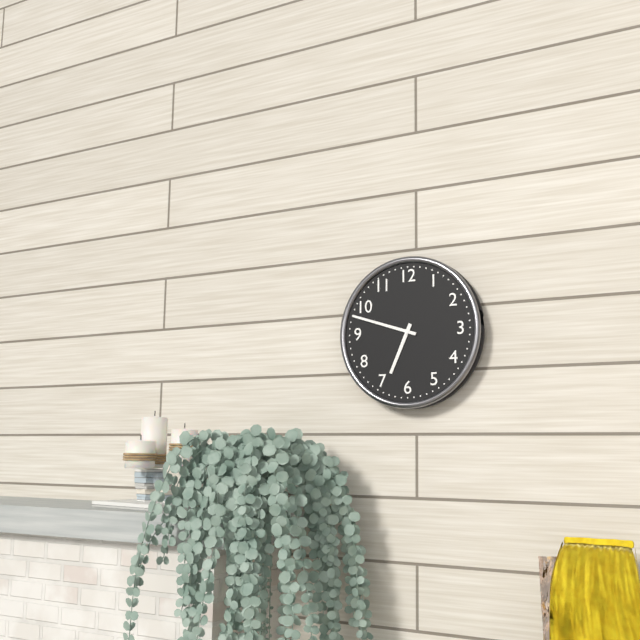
6:48
